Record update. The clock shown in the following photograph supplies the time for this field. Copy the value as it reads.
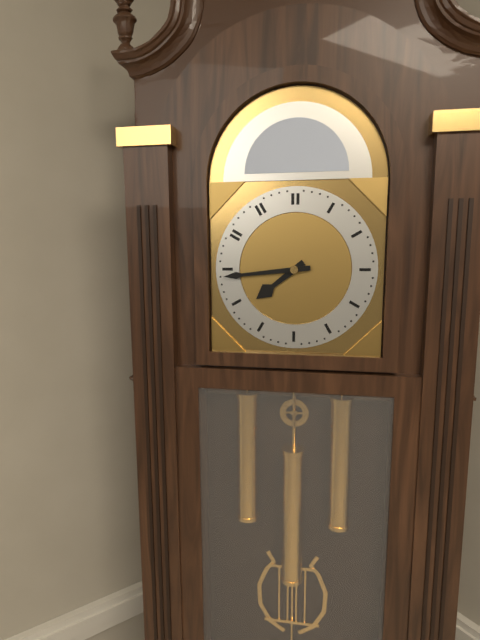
7:44
